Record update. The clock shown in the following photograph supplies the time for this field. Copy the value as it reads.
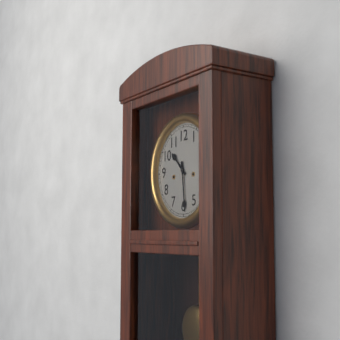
10:29
